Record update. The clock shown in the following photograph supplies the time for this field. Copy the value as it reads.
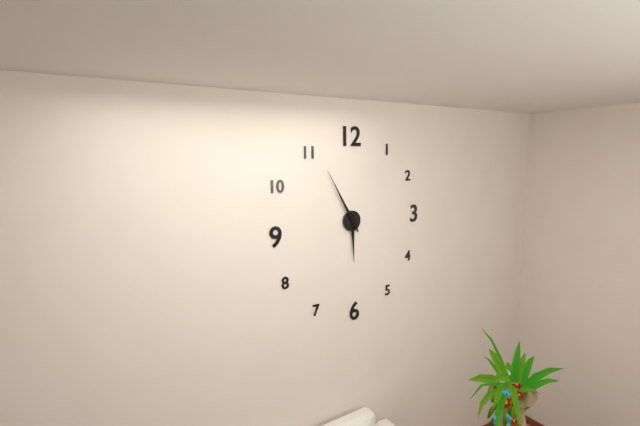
5:55
